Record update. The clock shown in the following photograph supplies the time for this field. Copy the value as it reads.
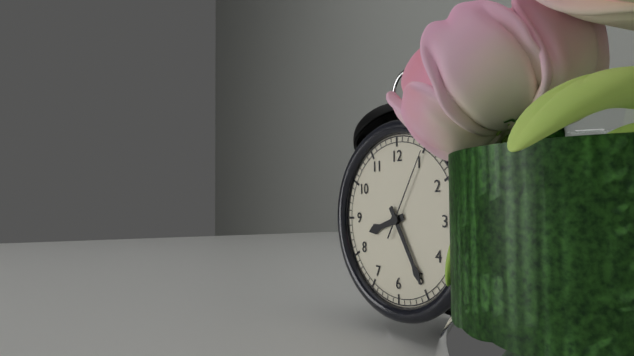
8:25:05
